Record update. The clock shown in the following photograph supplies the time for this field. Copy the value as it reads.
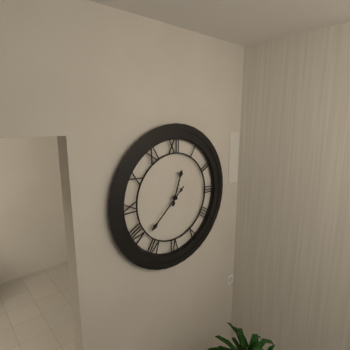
12:38
